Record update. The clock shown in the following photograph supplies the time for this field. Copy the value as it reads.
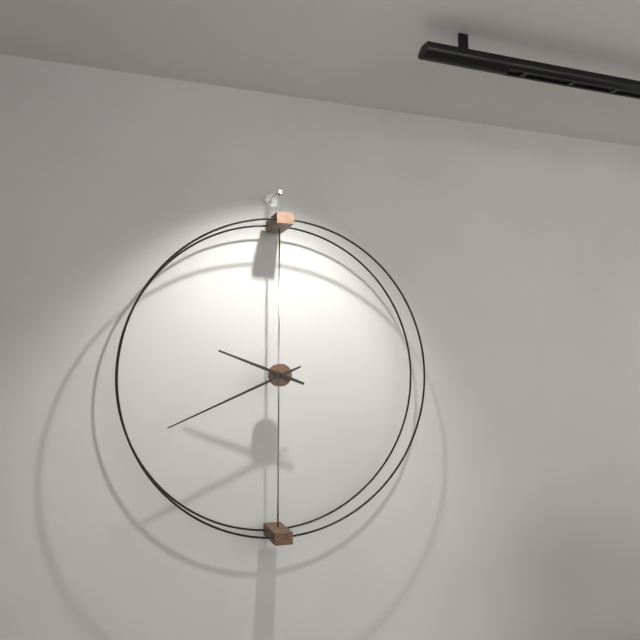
9:41
